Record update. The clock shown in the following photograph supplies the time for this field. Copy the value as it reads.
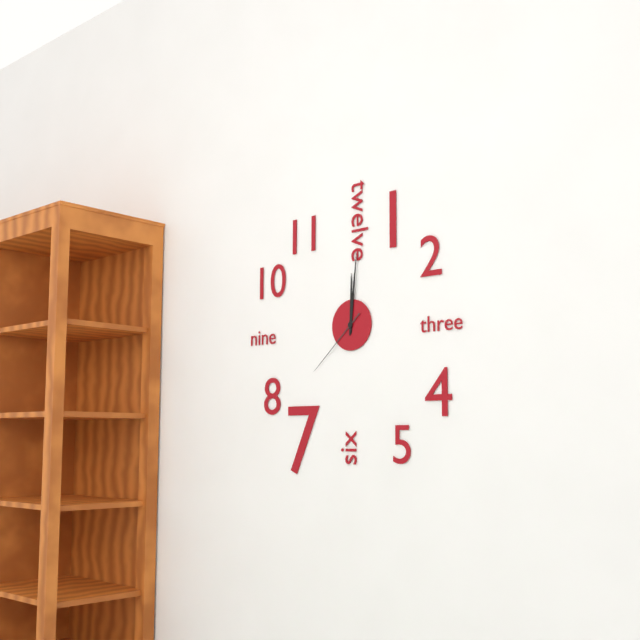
12:01:38
